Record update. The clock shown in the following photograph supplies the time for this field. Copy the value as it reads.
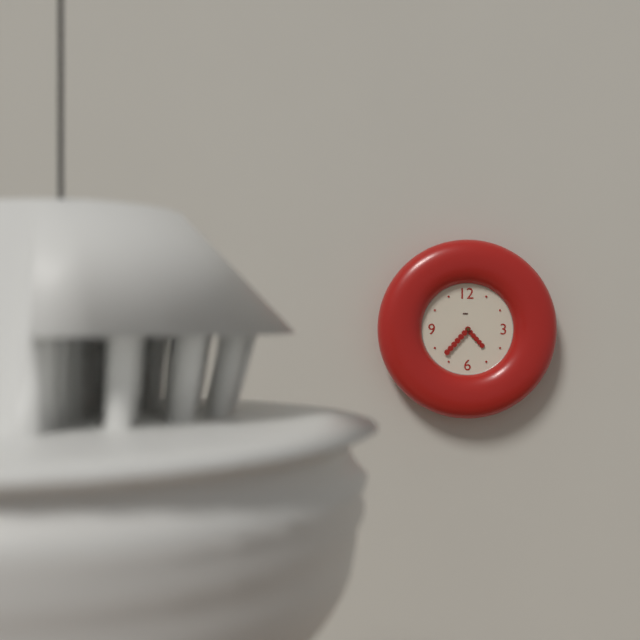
4:37
